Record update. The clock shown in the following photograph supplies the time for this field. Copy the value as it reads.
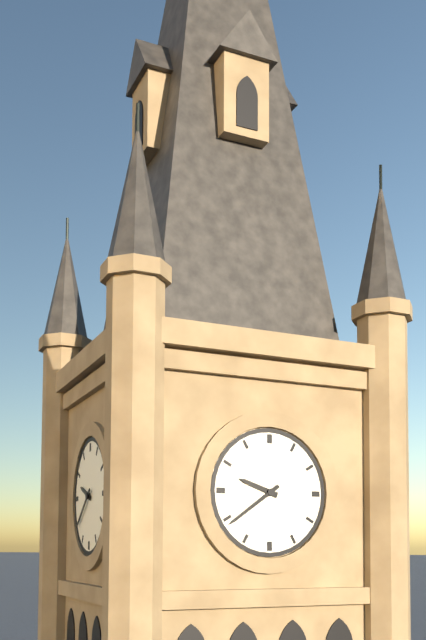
9:39
